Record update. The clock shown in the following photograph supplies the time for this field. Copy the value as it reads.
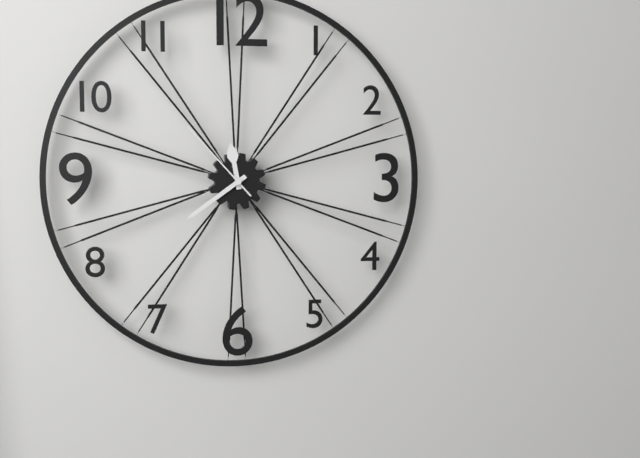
11:39:53
